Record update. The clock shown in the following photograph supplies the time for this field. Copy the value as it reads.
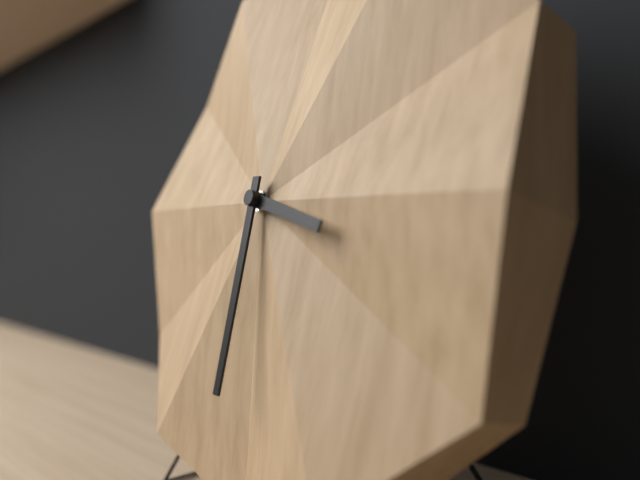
3:30
